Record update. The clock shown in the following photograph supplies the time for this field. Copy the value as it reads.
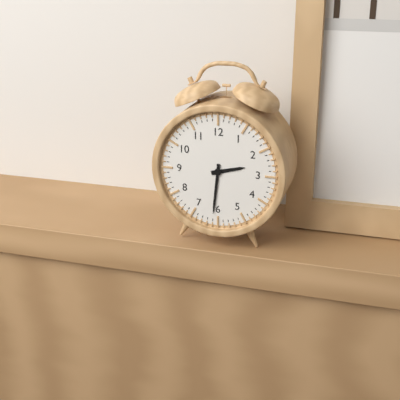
2:31
